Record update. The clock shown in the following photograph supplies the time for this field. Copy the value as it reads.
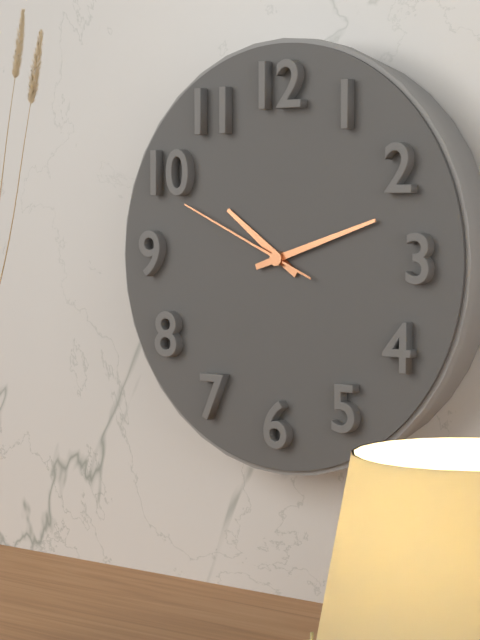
10:12:49
